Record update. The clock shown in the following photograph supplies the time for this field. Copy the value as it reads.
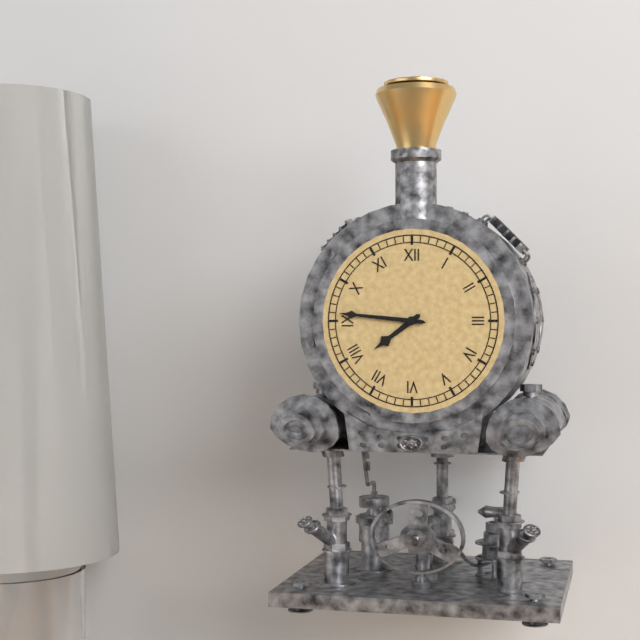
7:46
